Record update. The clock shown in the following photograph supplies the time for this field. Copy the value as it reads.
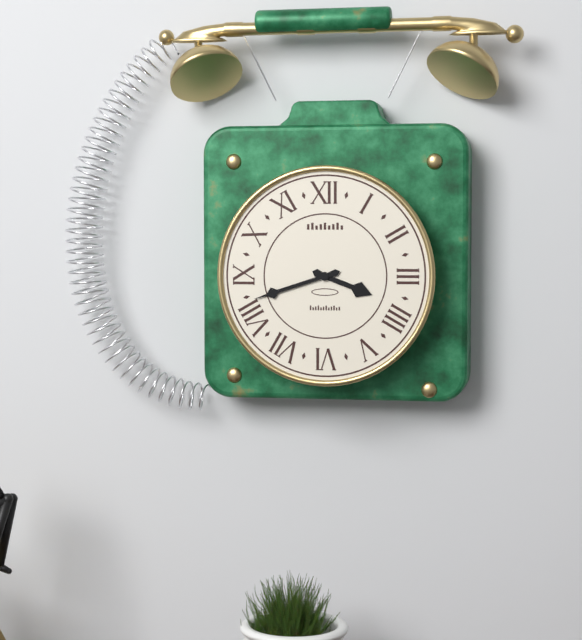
3:42
